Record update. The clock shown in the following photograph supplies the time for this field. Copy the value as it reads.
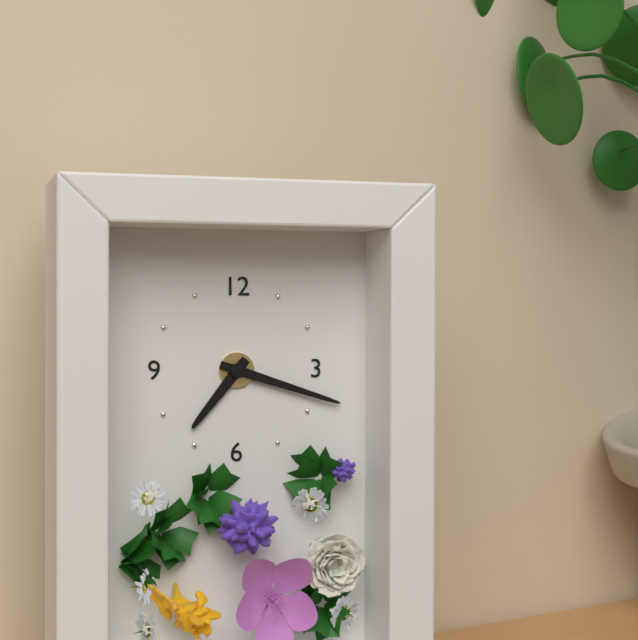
7:18
